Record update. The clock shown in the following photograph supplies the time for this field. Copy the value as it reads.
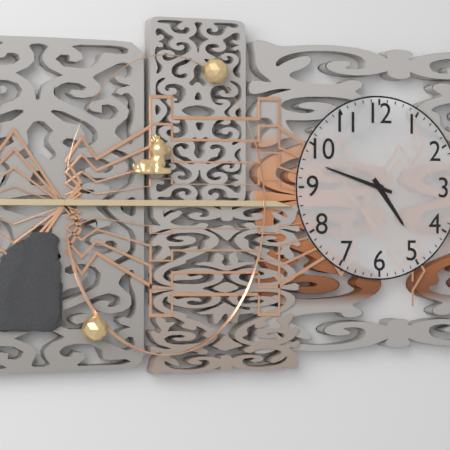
4:48
